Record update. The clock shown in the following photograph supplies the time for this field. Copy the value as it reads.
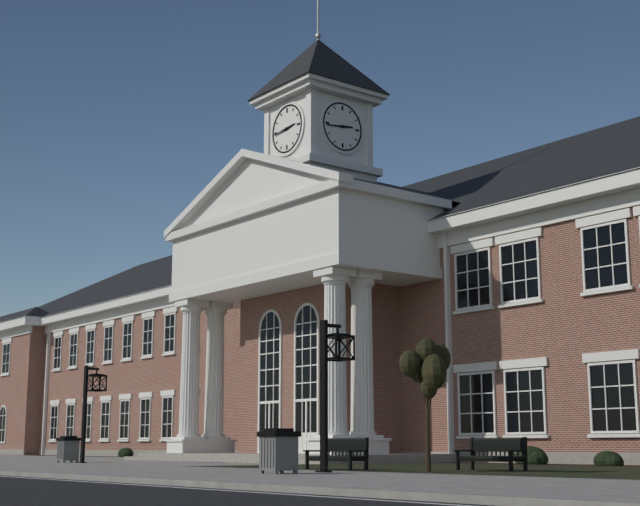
2:44
